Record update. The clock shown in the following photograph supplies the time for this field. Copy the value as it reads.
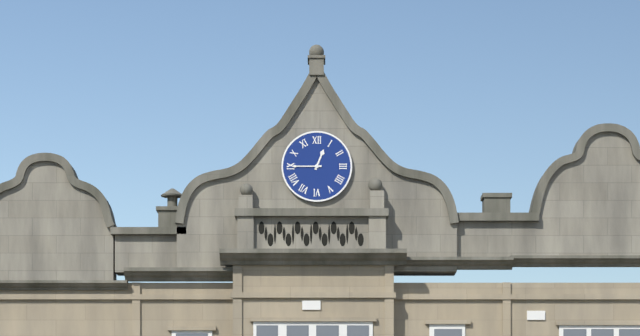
12:45
